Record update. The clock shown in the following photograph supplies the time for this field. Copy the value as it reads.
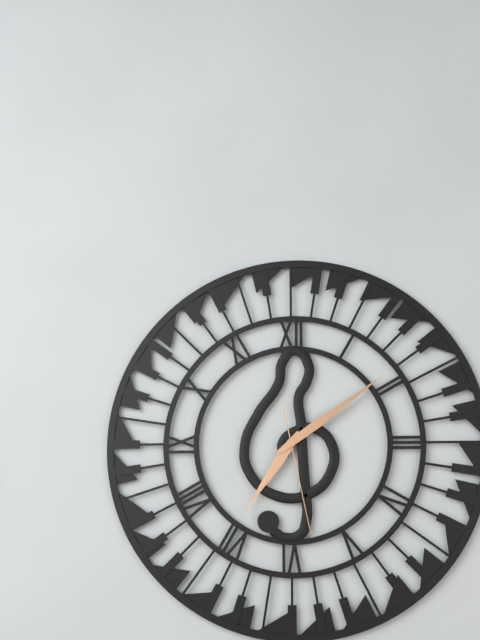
7:09:28
